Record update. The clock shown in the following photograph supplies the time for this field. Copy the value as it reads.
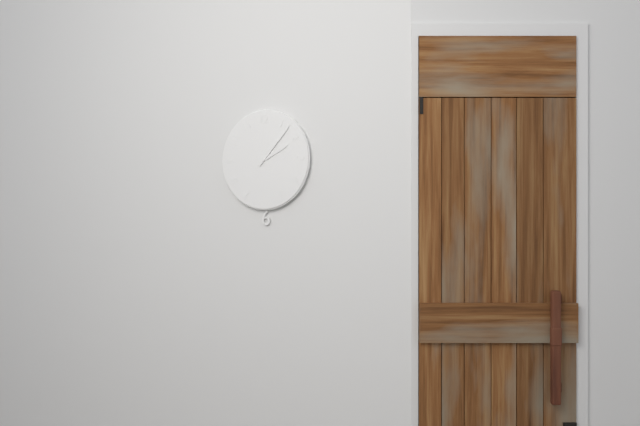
2:07
